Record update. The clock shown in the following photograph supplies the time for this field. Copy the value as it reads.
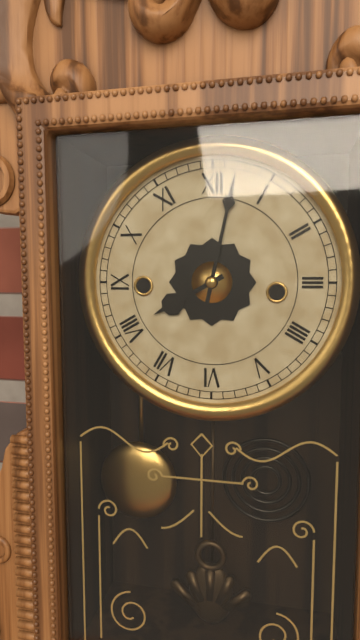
8:02
